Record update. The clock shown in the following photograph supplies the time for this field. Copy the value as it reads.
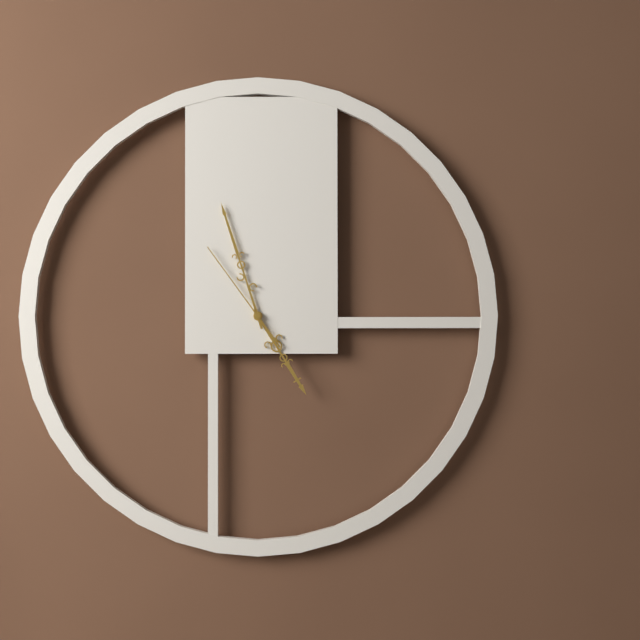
4:57:54
